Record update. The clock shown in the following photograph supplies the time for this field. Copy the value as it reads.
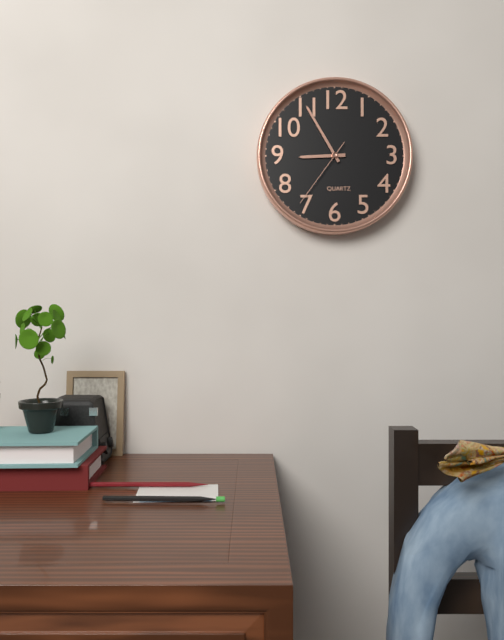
8:55:36
